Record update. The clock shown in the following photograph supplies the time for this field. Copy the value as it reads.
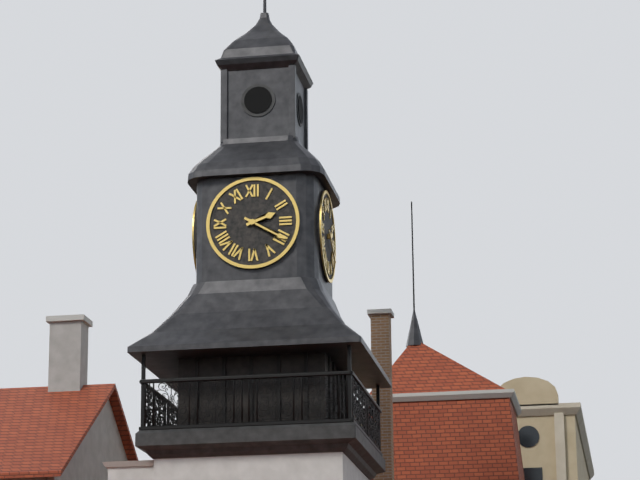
2:20
